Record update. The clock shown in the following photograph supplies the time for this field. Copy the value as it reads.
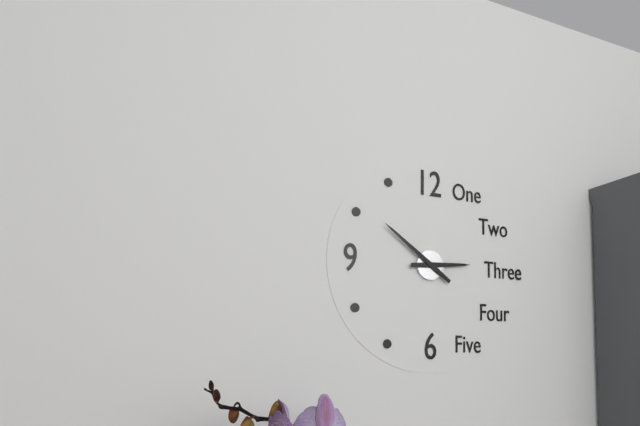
2:51
